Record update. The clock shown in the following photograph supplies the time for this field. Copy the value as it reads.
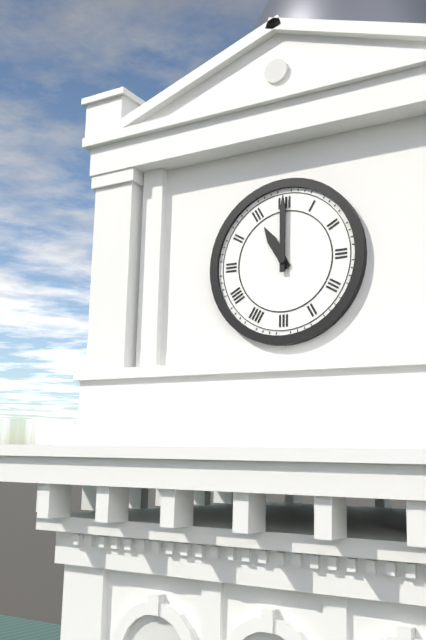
11:00
